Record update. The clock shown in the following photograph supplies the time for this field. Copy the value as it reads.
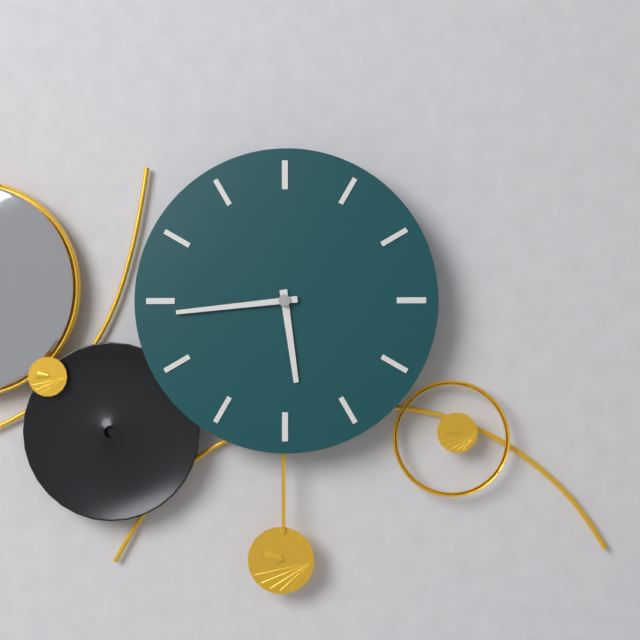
5:44
